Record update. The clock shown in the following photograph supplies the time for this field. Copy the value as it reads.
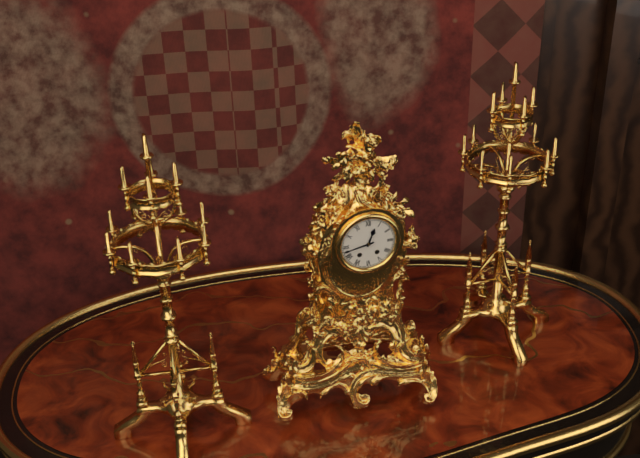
12:43
